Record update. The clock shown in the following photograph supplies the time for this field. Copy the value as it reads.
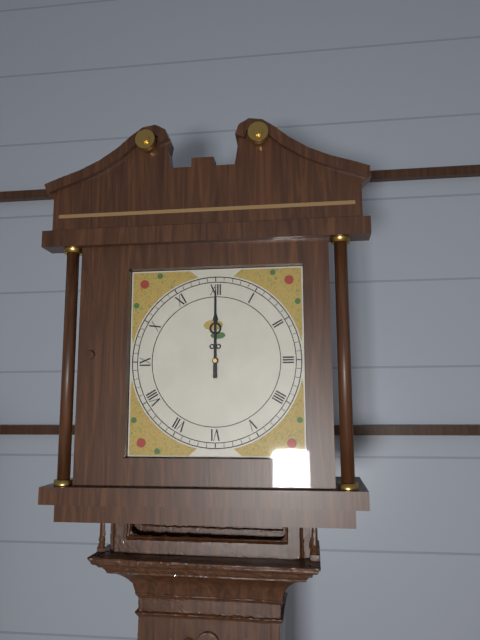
12:00
